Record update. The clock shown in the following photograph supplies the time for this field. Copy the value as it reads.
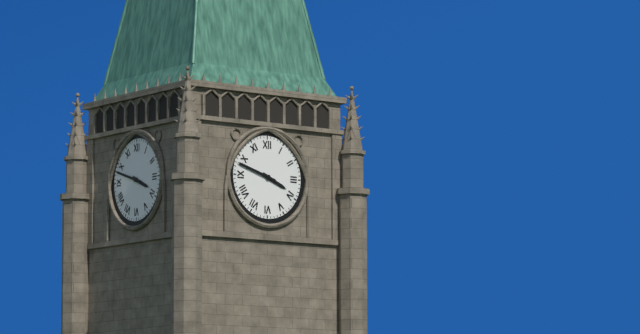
3:48
